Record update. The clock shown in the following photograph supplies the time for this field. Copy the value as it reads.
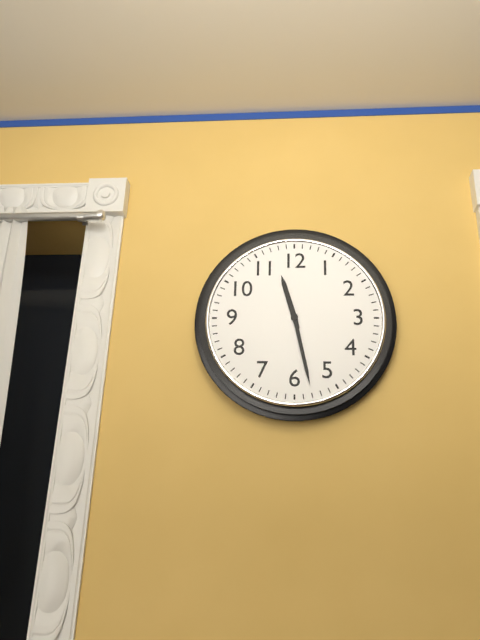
11:28
